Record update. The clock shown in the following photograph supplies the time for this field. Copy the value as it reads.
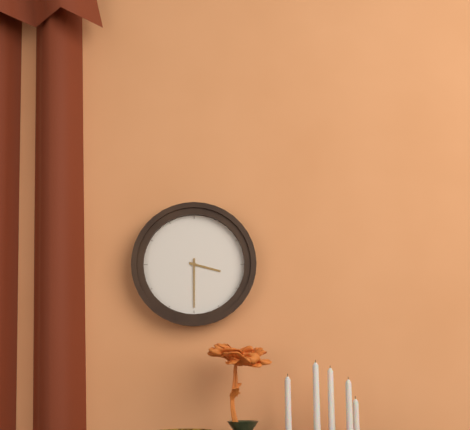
3:30
